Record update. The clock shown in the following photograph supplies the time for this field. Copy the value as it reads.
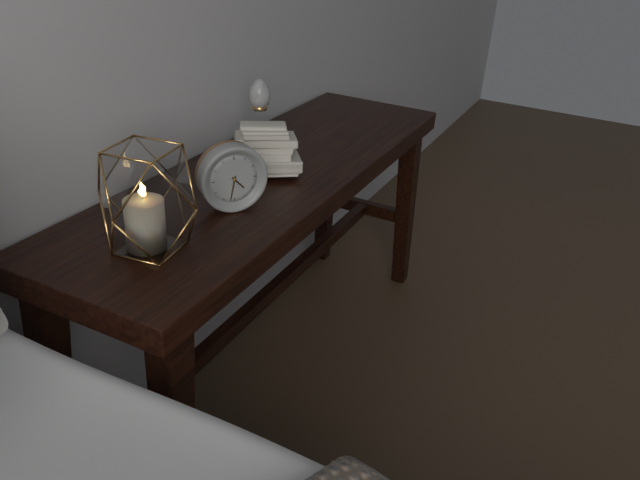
4:32
